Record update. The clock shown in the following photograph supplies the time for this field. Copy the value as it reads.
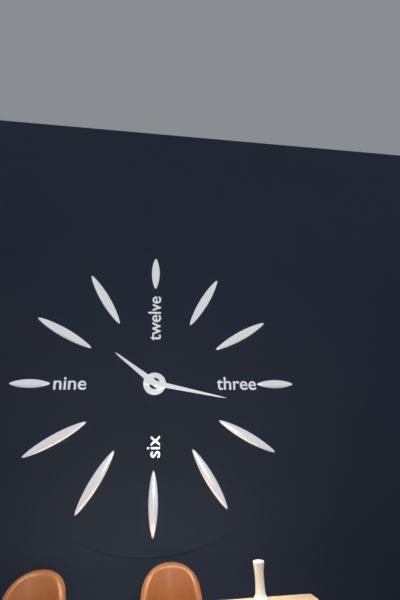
10:17
